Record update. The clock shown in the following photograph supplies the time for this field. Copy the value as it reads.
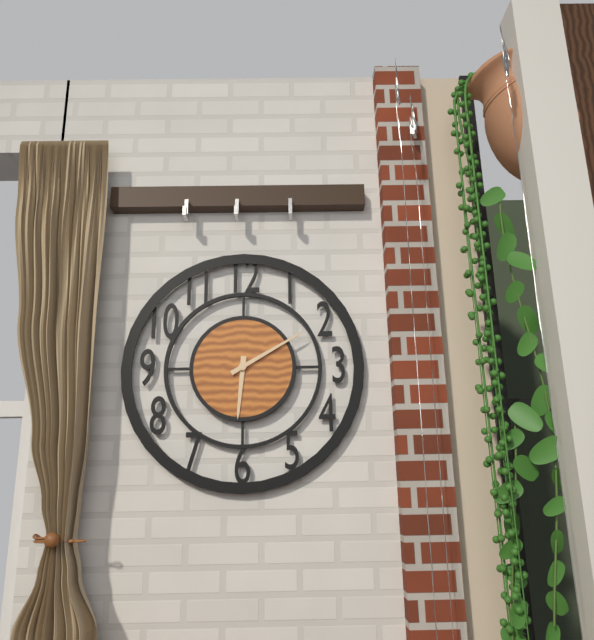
6:10
